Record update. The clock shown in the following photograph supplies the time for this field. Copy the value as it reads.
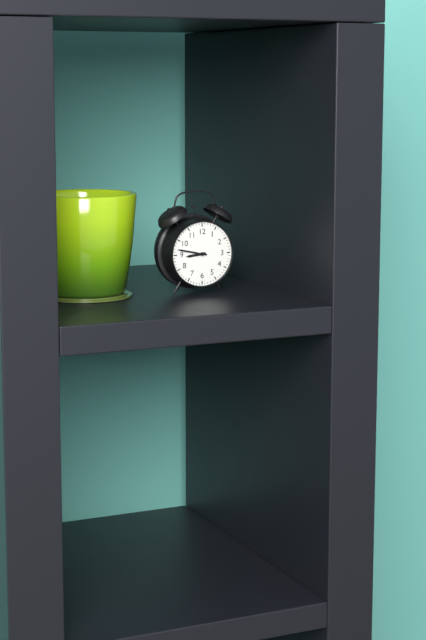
8:47
